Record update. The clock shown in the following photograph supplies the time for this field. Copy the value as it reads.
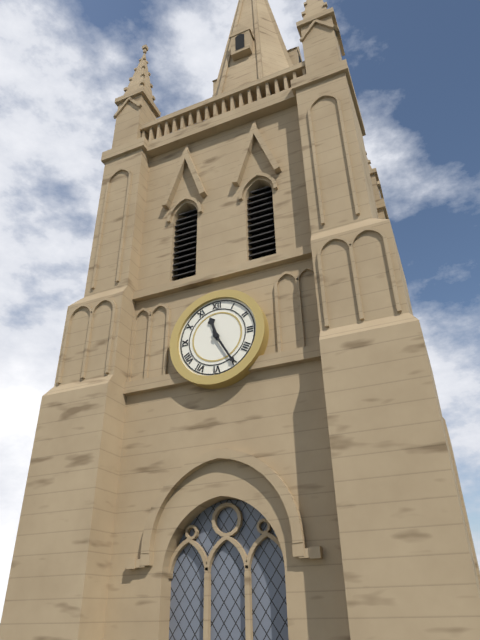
11:25
